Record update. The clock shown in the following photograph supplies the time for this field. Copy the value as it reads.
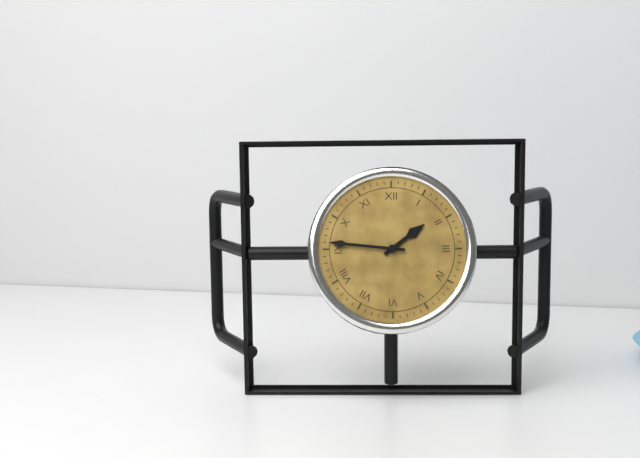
1:46
